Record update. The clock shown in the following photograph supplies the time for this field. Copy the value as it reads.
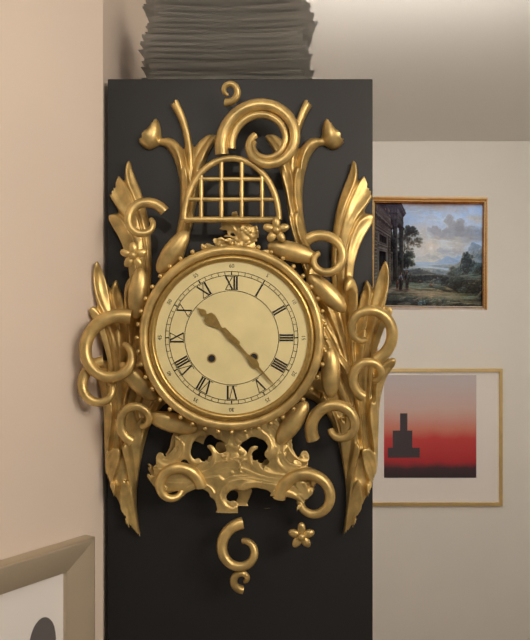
10:23
